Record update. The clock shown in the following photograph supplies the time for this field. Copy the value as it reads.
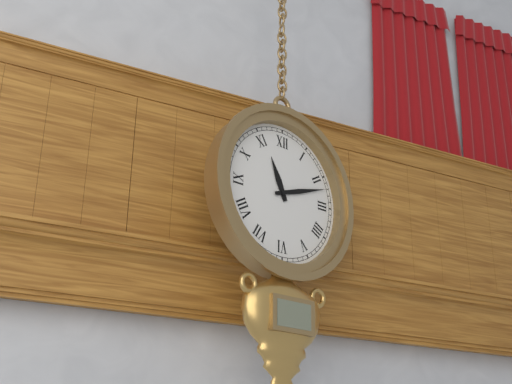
11:12
